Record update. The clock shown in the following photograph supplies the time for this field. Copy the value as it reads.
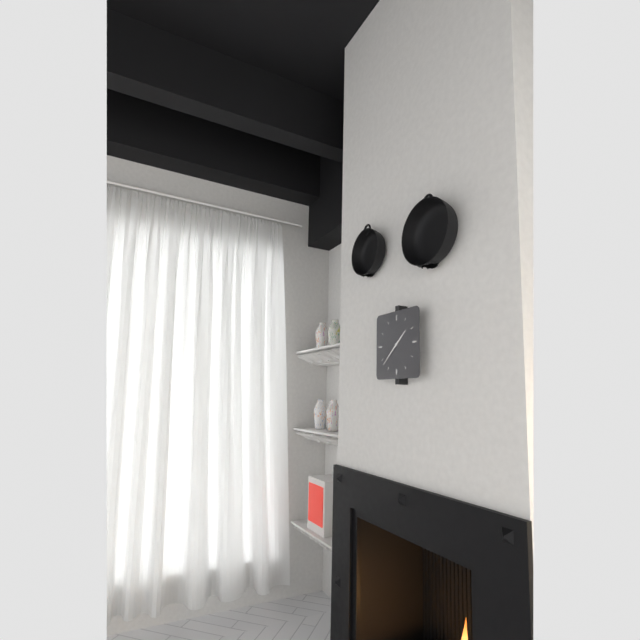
1:38
